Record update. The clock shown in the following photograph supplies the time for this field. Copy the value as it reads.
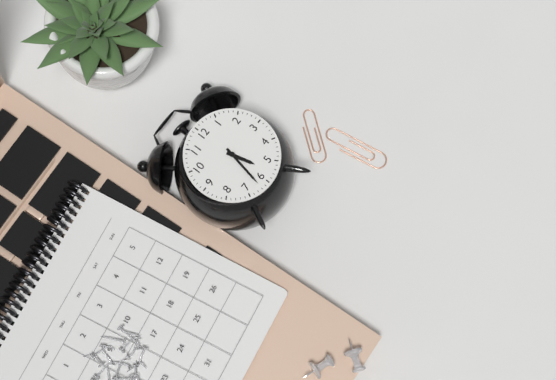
5:32
